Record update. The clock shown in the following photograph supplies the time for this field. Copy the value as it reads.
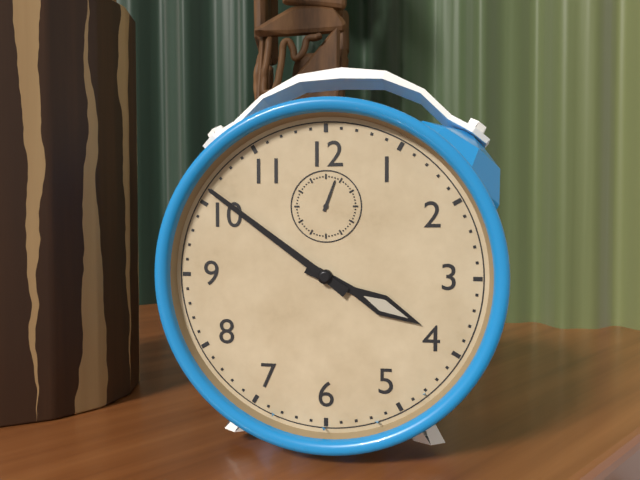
3:51
